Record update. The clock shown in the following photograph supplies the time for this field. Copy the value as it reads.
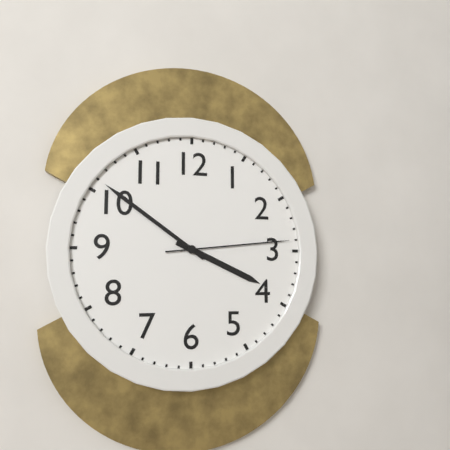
3:51:14
